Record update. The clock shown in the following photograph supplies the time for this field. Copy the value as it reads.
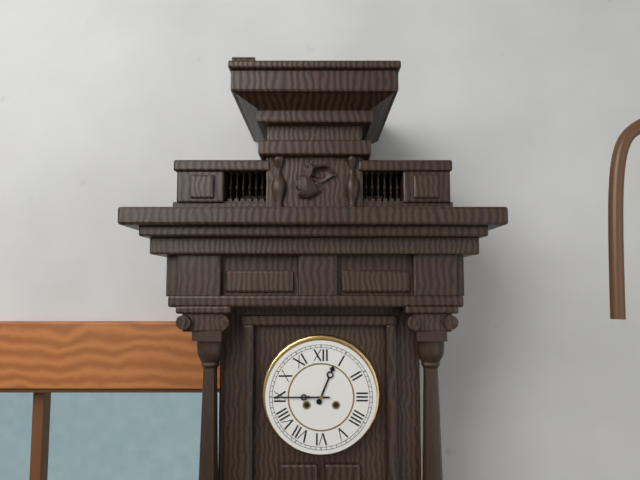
12:45
